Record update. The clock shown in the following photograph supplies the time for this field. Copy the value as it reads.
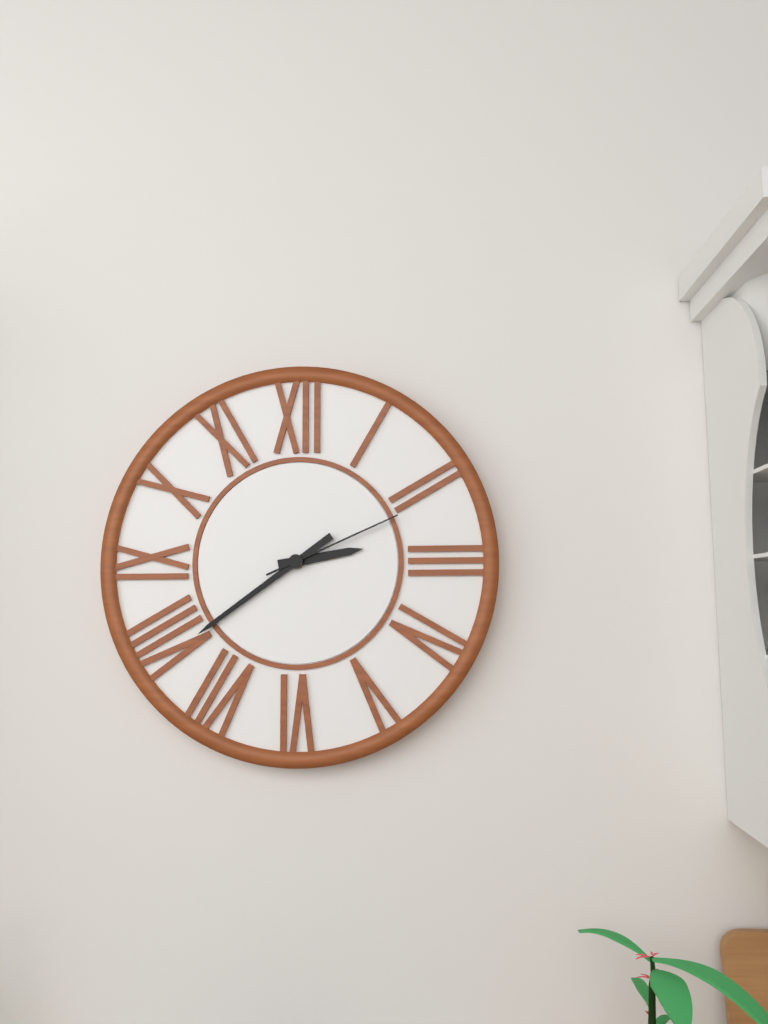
2:39:11
